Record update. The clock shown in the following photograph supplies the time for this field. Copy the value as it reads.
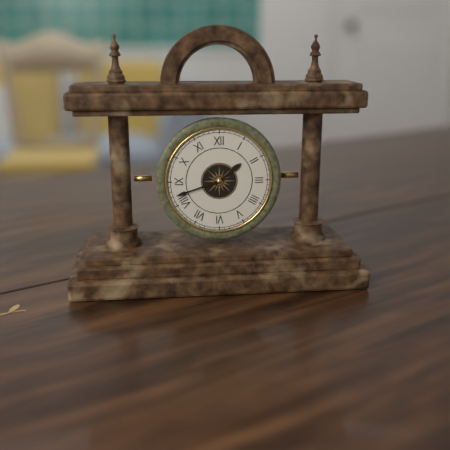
1:42
